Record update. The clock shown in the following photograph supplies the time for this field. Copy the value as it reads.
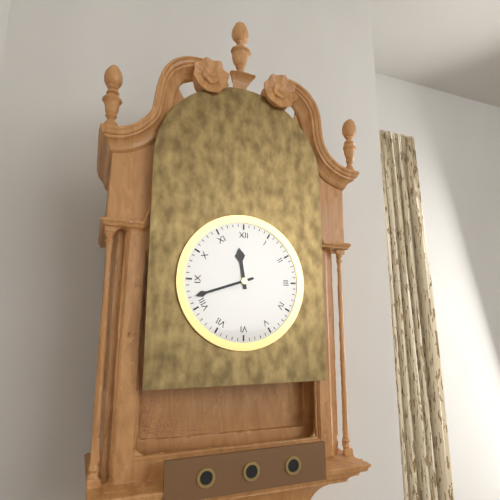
11:42
